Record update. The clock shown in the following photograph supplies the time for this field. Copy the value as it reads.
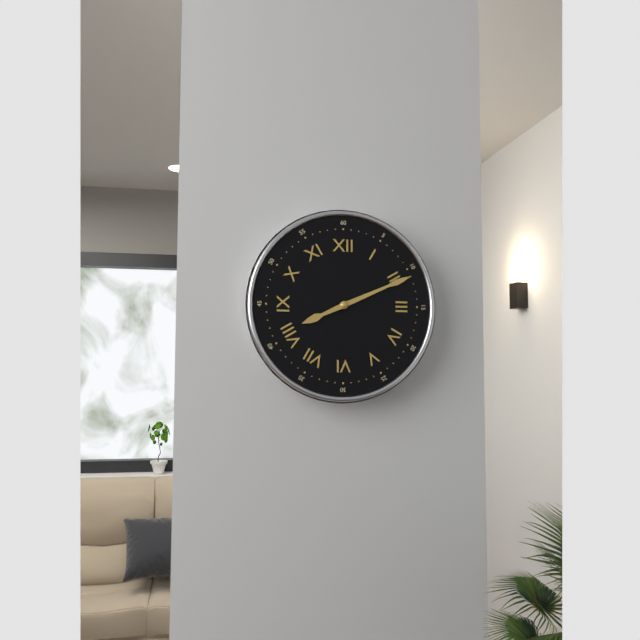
8:11
